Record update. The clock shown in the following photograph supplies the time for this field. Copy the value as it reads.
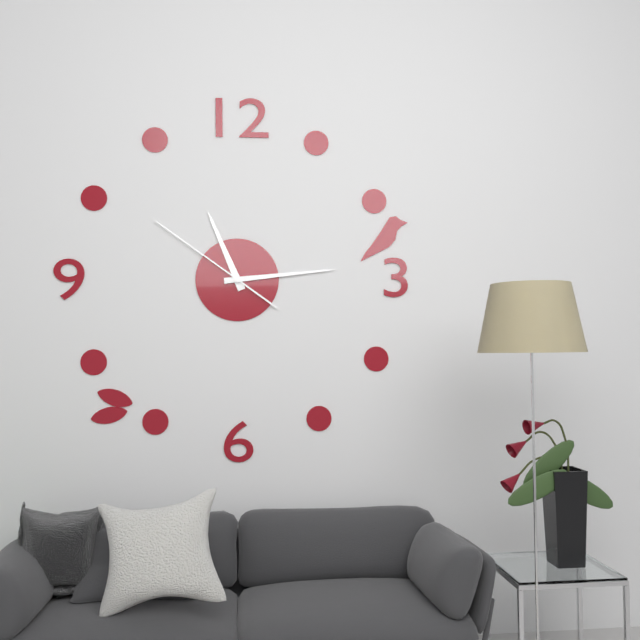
11:14:51
